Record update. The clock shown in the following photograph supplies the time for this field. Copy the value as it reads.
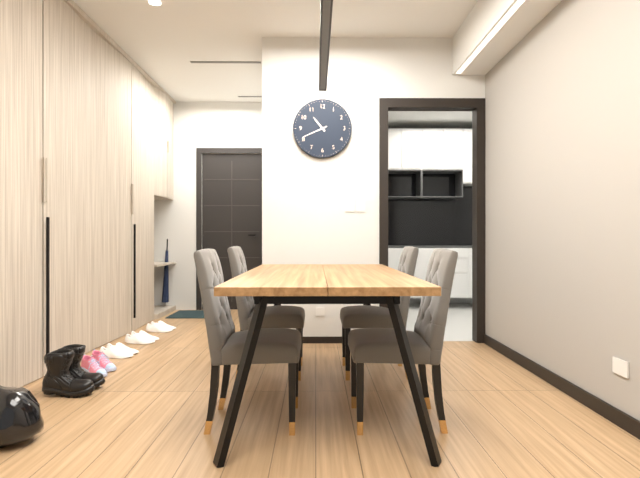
10:41
